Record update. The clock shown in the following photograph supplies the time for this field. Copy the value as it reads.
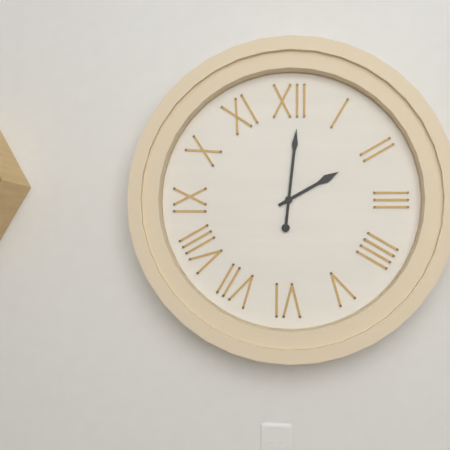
2:01
